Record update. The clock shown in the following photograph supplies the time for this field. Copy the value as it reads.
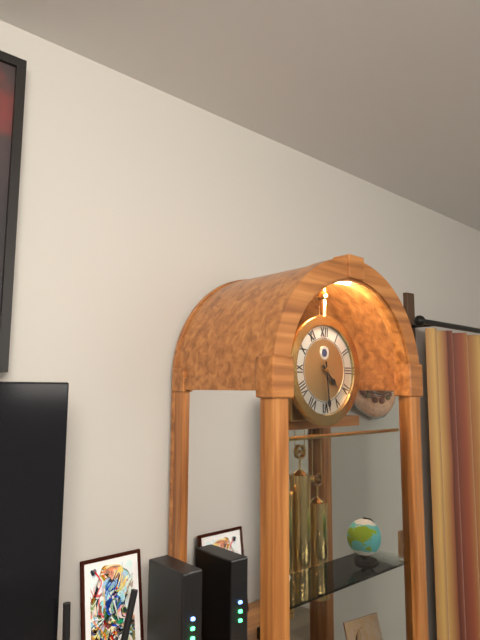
4:29
